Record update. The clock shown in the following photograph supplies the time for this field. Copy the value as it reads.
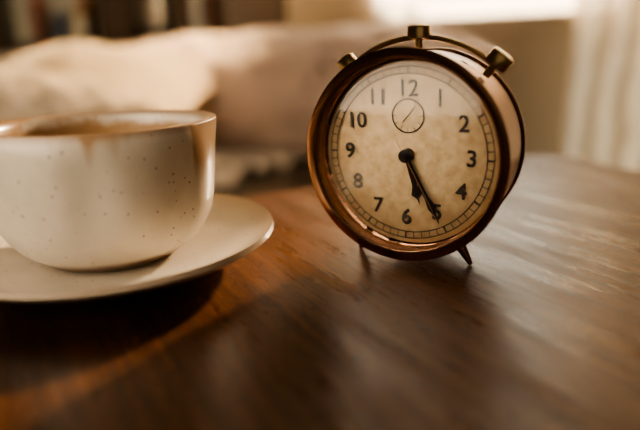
5:25:25
